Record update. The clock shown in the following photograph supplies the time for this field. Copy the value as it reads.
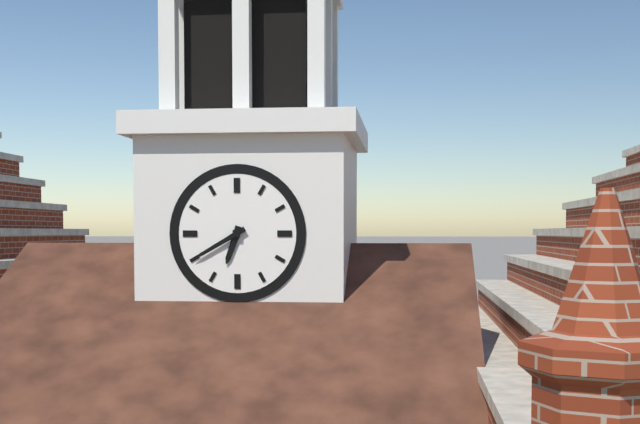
6:40
